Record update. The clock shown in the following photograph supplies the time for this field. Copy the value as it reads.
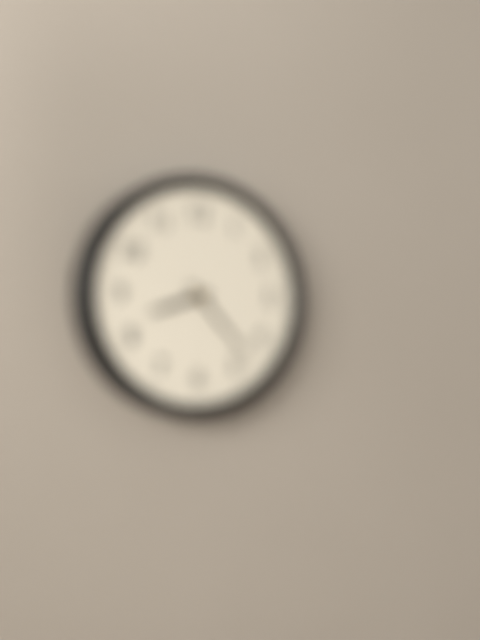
8:23
